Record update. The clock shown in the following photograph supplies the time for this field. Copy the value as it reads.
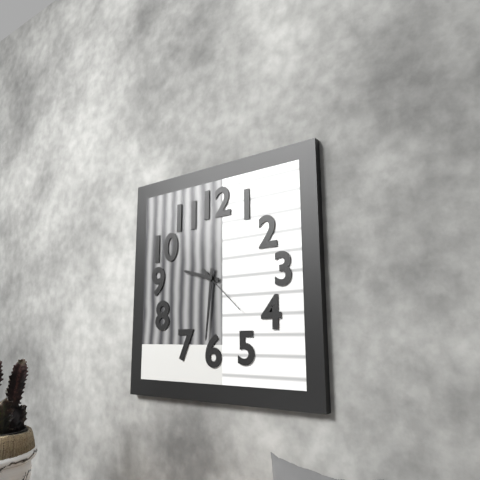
9:31:22
